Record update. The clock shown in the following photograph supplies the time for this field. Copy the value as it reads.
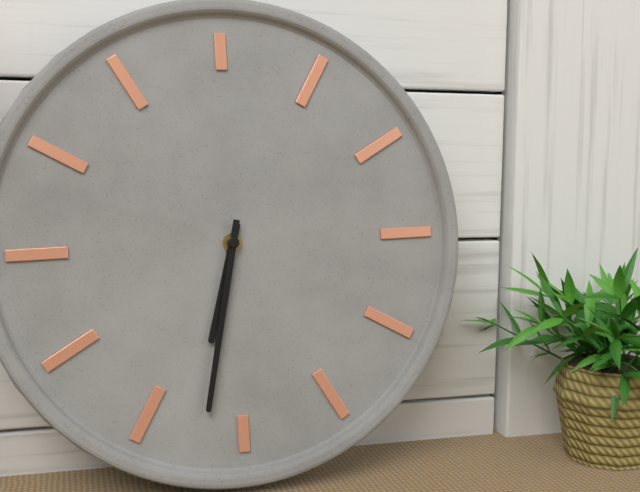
6:32
